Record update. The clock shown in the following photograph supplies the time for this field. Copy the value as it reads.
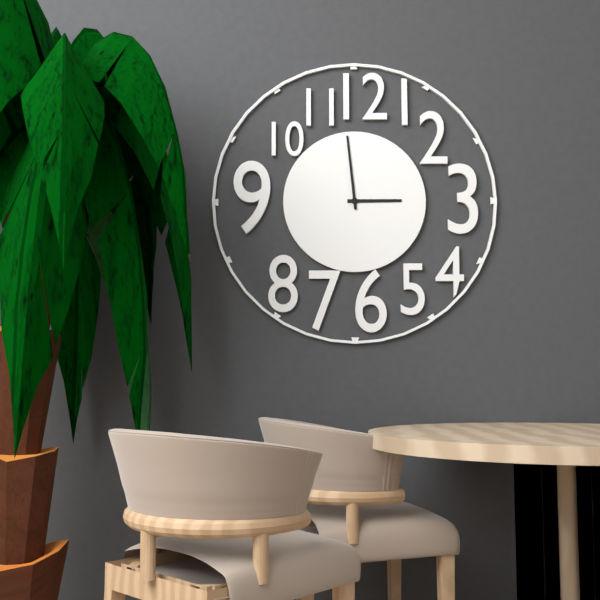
2:59
